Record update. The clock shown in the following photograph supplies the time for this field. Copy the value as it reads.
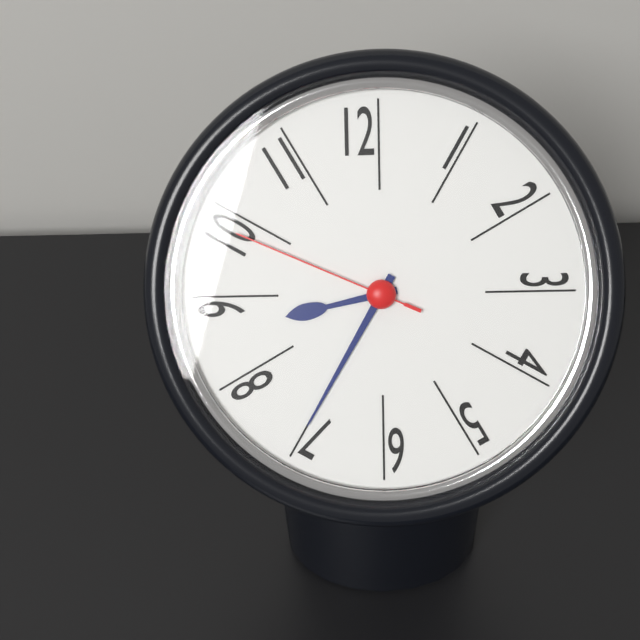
8:35:49
